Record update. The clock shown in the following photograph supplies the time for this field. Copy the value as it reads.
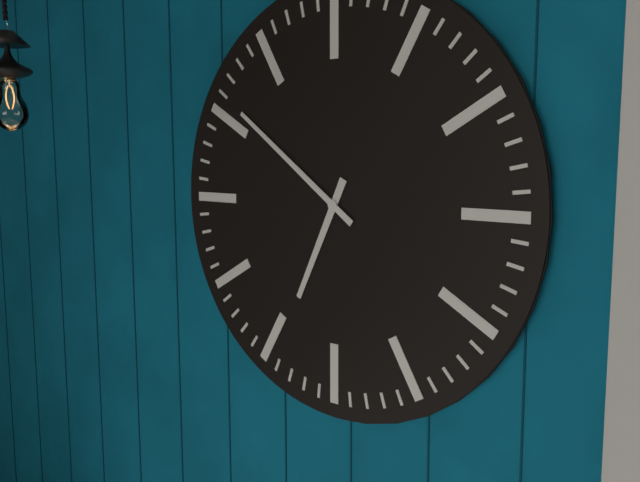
6:51
